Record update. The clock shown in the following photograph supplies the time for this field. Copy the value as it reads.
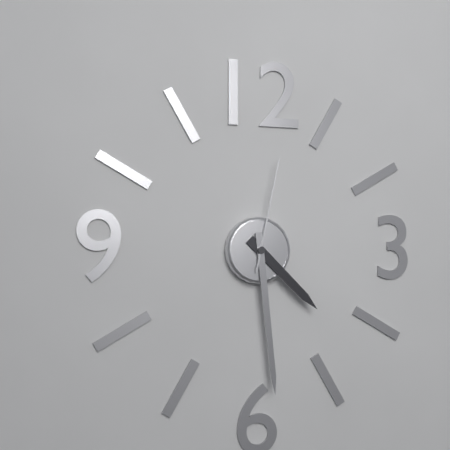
4:29:02
